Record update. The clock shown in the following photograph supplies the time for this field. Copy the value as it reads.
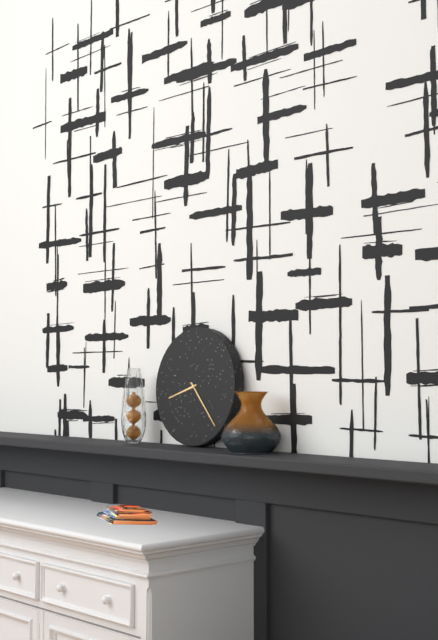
8:23
